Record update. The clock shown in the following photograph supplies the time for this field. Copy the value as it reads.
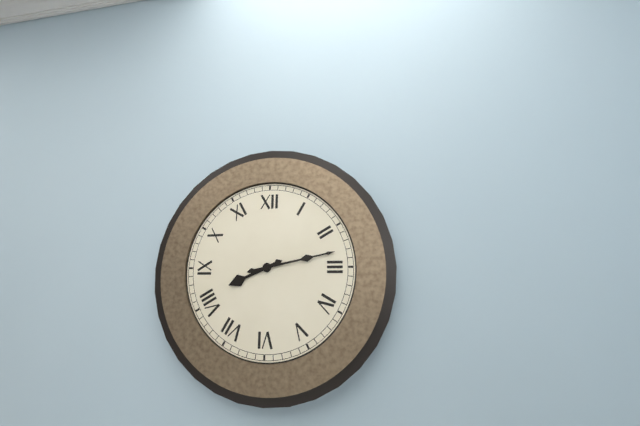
8:13
